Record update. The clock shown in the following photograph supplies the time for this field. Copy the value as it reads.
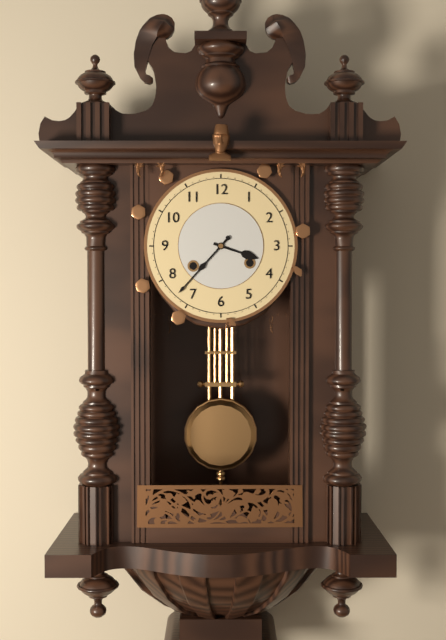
3:37
